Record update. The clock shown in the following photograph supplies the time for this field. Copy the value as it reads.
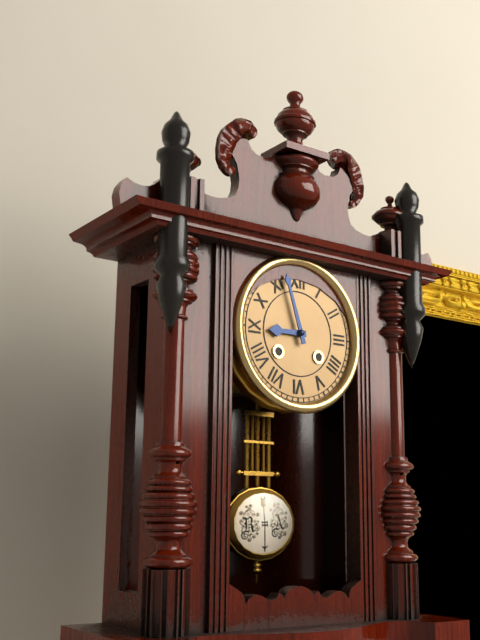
8:57
